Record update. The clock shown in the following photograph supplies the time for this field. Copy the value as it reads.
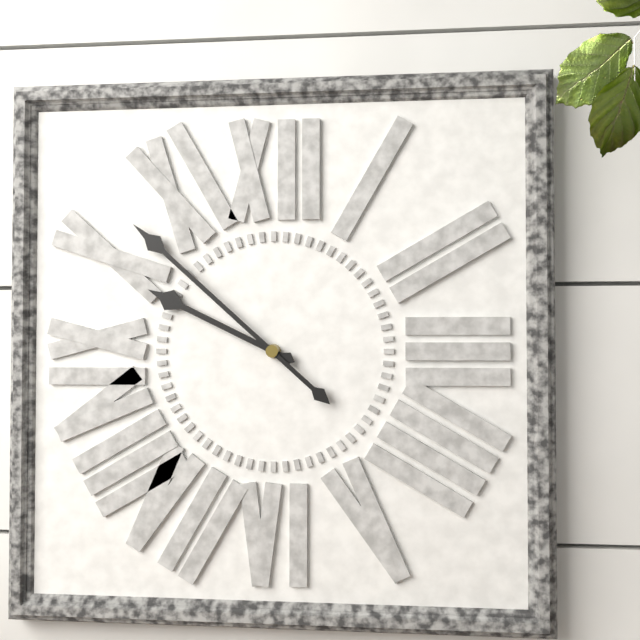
9:52
